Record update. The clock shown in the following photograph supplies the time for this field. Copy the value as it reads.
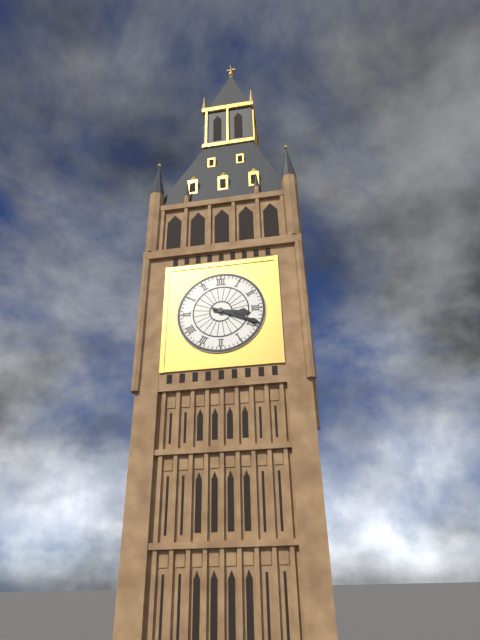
3:19
